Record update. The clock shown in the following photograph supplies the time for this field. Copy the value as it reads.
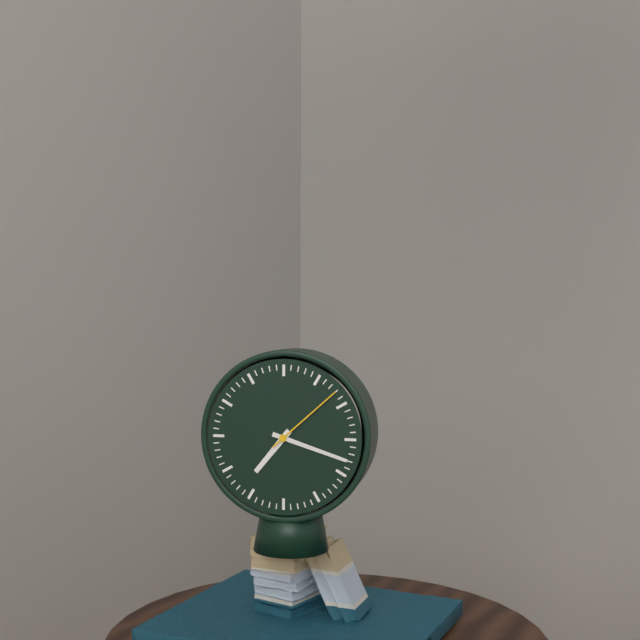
7:18:08
